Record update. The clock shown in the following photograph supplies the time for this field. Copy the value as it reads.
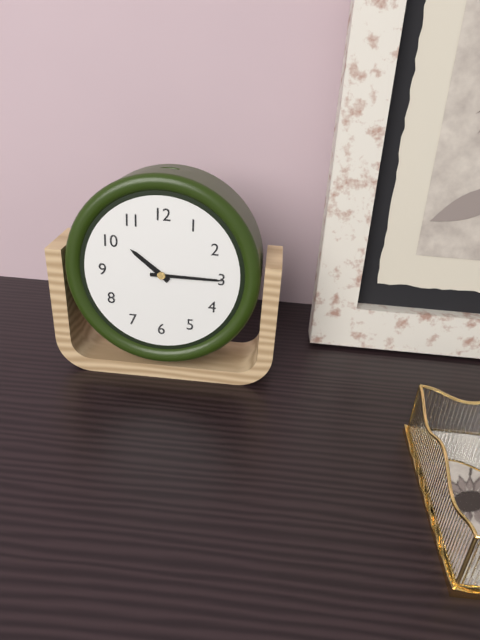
10:15
